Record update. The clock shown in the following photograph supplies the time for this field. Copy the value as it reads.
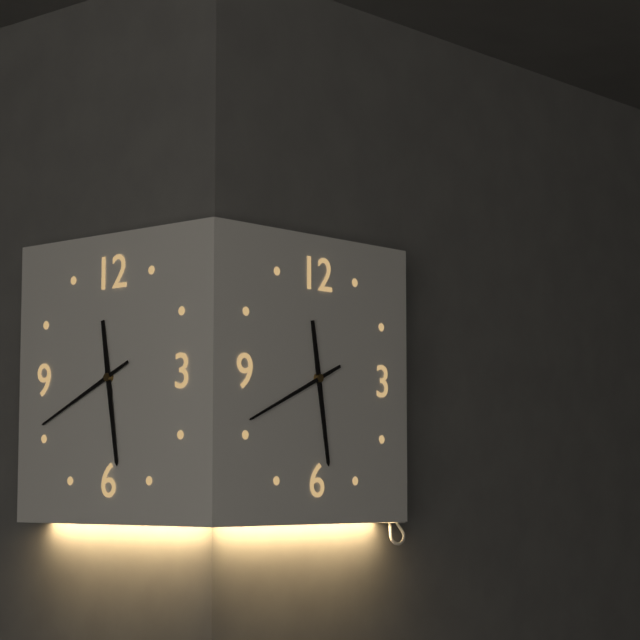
5:41
